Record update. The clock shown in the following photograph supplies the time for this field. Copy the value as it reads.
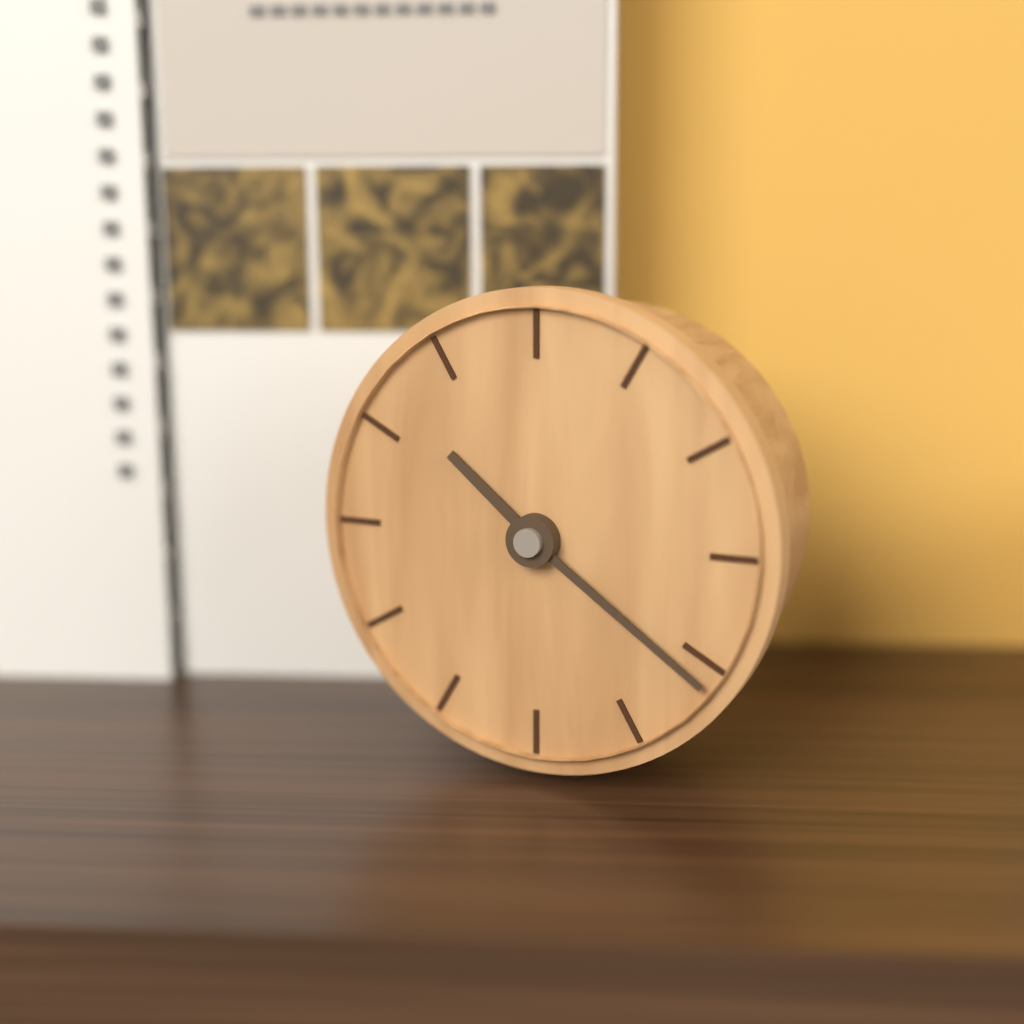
10:21
